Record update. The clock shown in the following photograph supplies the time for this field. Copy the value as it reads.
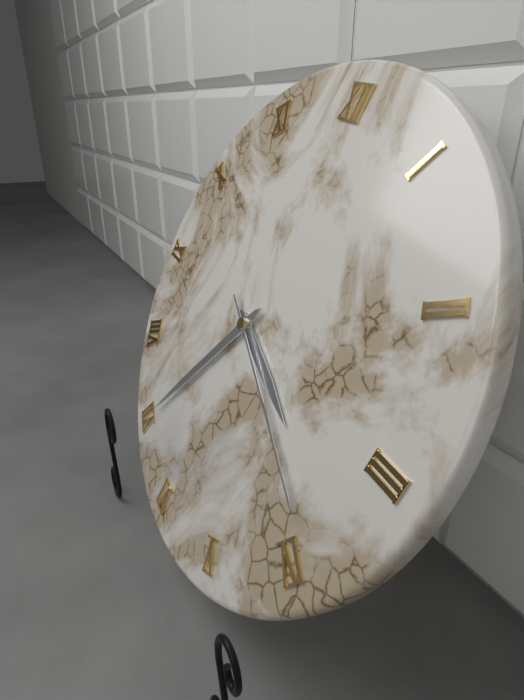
3:35:19
